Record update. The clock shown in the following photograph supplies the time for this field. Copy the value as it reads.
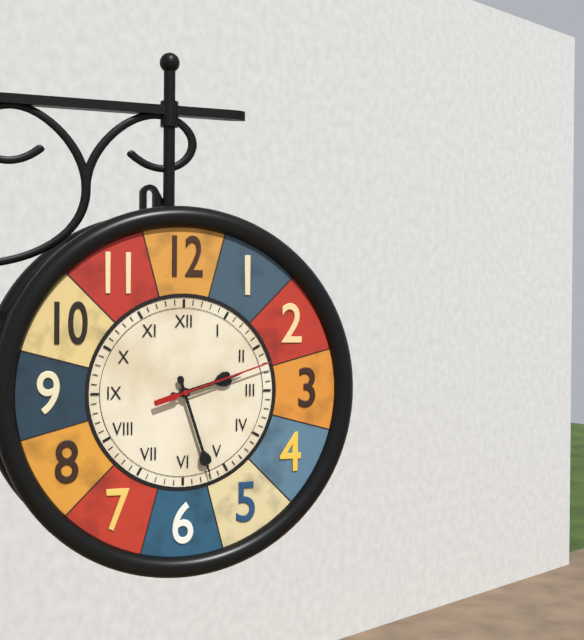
2:27:12
